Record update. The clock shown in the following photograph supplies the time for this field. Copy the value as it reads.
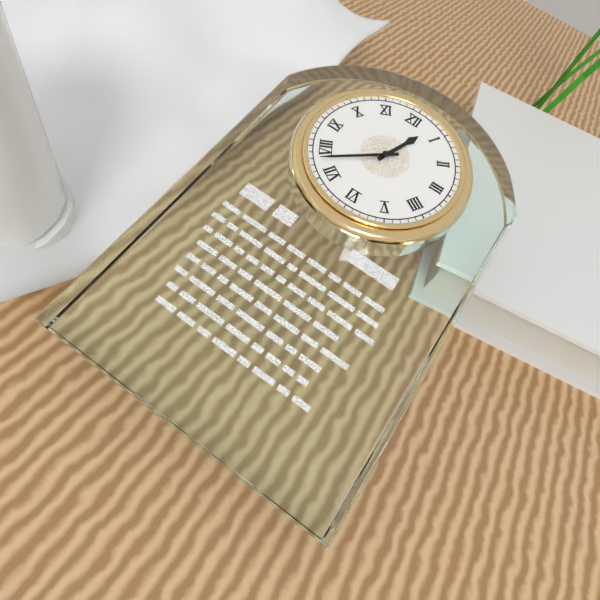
12:38
